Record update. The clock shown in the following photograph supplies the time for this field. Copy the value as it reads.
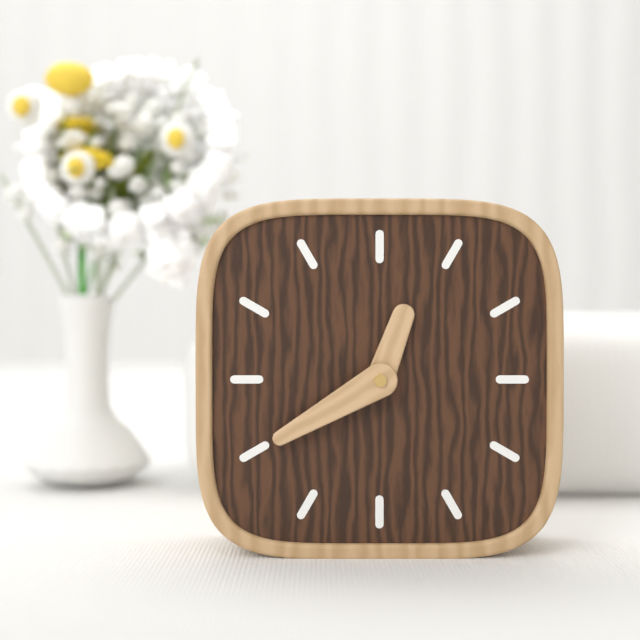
12:40
